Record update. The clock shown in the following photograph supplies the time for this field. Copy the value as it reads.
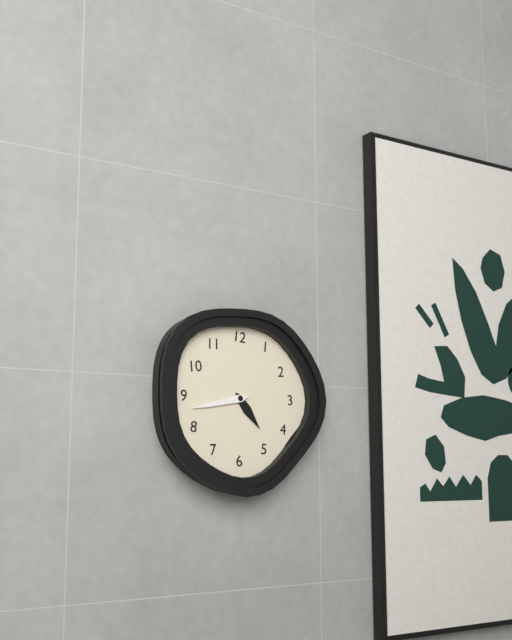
4:43
